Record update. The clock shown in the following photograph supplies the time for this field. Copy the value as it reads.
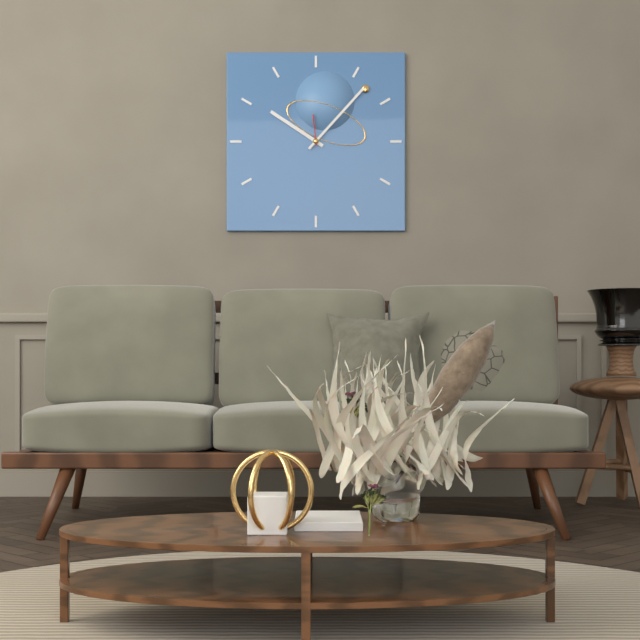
10:07
